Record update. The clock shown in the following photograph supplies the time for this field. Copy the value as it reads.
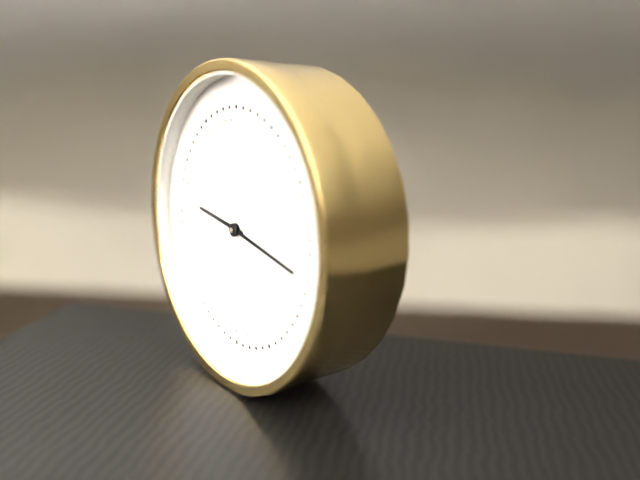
9:17
